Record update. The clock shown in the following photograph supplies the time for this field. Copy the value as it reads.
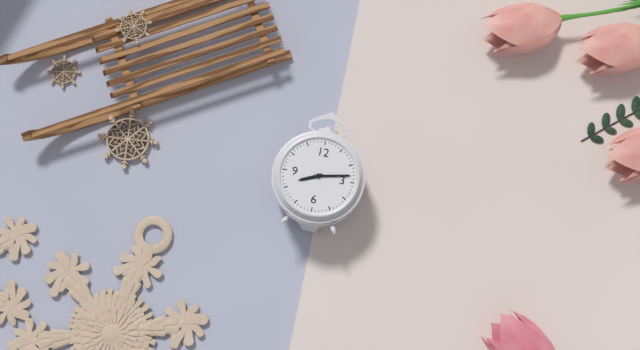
8:13
